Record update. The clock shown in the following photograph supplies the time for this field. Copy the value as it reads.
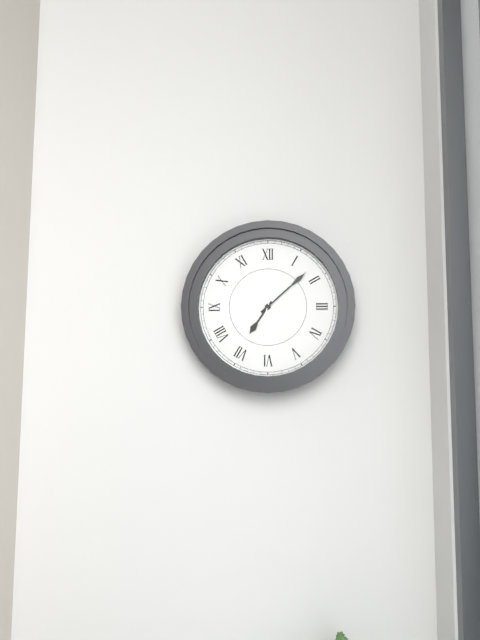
7:08:33
